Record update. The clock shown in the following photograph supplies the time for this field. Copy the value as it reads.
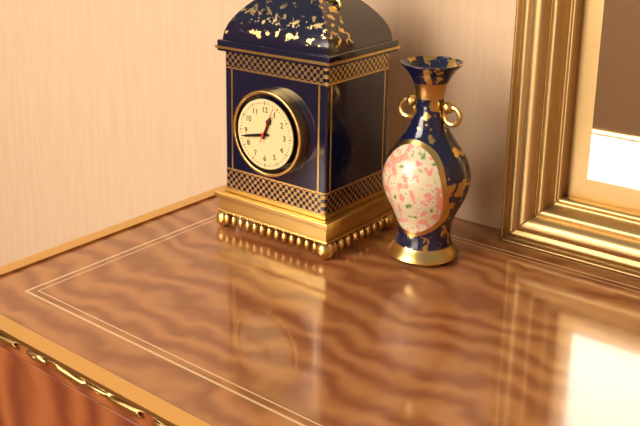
12:43
